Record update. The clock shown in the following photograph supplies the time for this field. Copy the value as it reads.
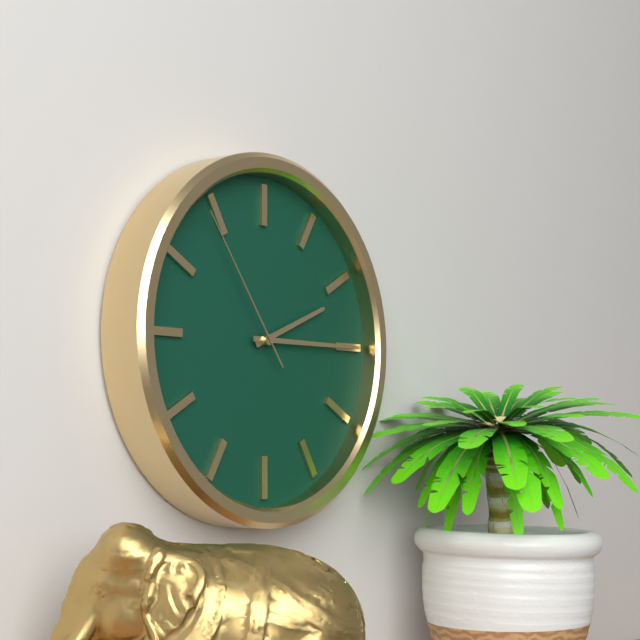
2:15:54
